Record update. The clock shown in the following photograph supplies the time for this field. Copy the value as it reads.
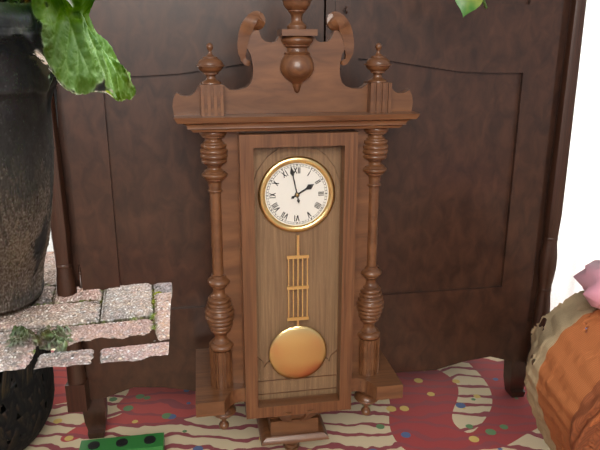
1:58
